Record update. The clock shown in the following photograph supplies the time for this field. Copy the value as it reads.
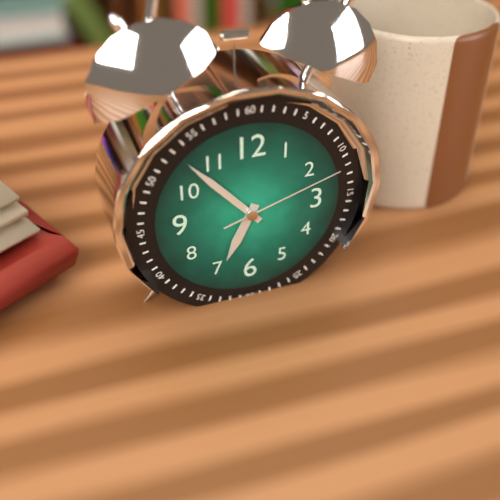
6:53:12
